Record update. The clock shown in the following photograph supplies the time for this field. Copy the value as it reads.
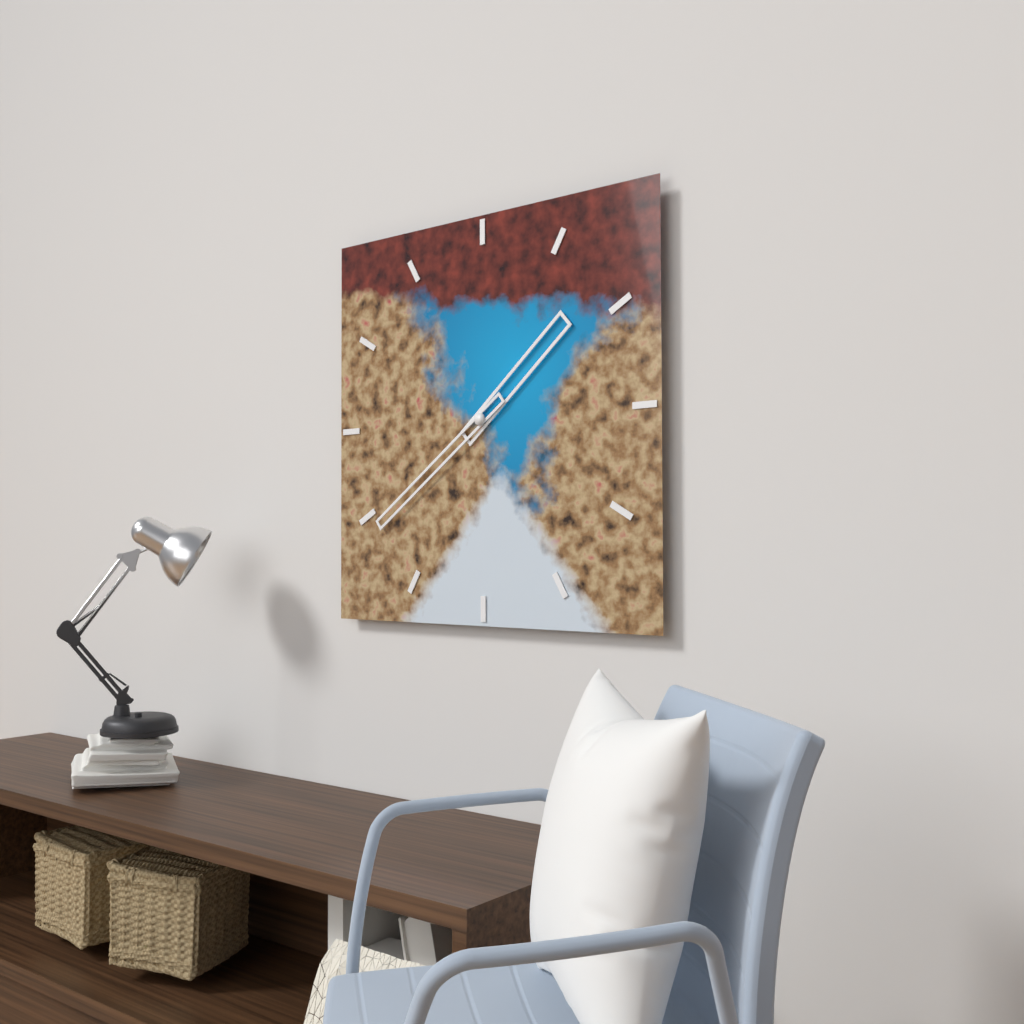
1:39
